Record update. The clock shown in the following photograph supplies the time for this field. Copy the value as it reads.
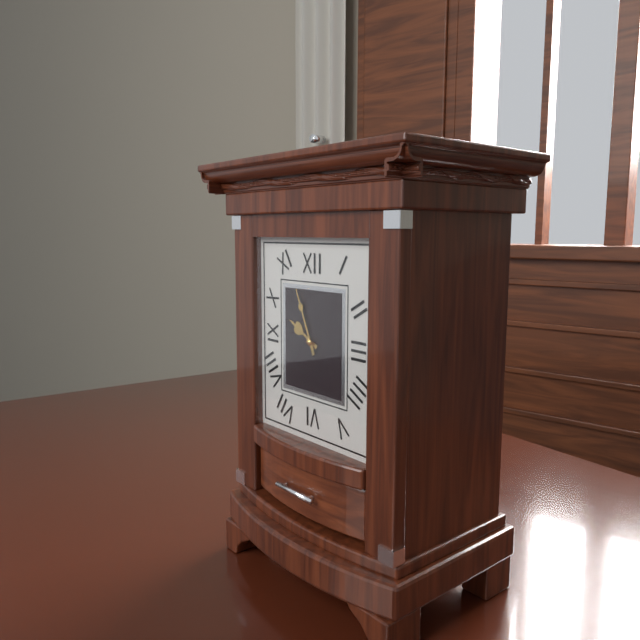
9:56
